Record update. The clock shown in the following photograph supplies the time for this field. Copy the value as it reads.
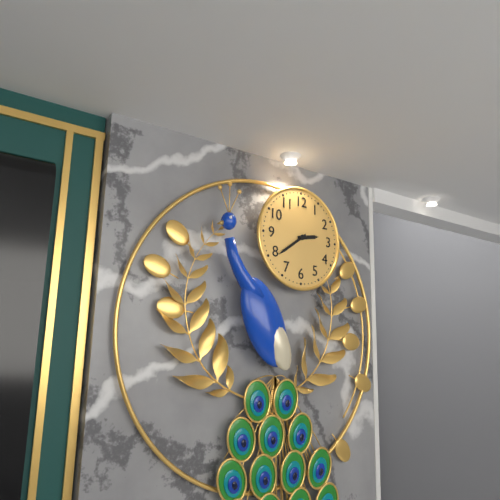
2:39
